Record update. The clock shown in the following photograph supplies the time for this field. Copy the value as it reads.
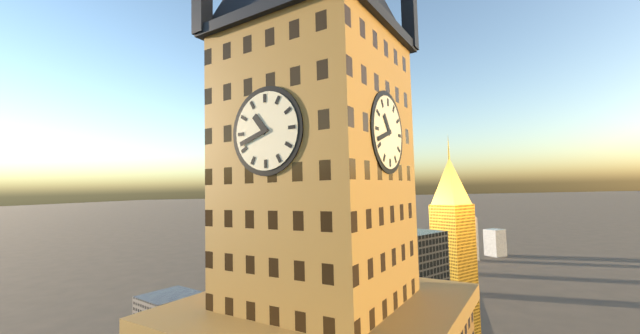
10:42
